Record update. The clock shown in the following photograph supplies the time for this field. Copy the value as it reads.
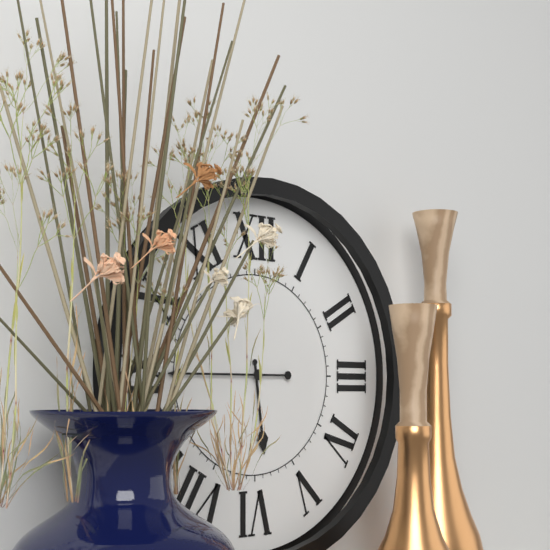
5:45
